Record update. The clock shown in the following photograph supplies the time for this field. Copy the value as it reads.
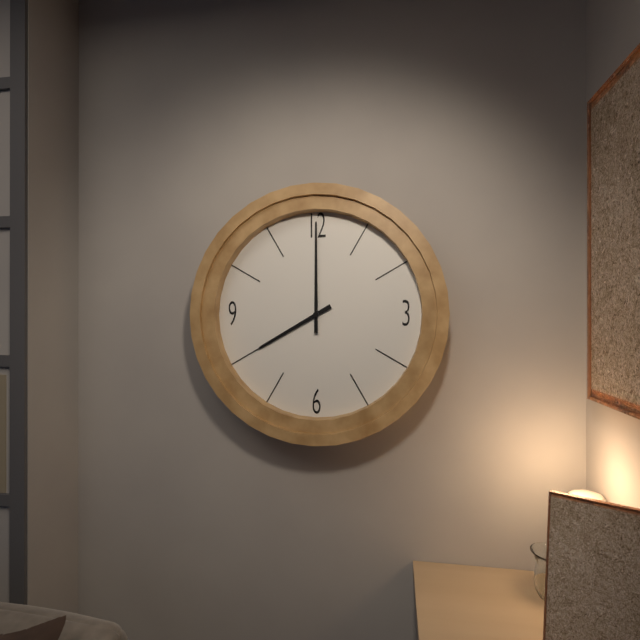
8:00
